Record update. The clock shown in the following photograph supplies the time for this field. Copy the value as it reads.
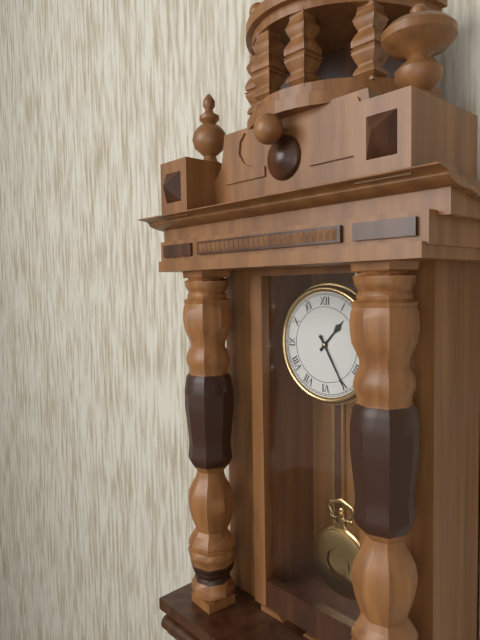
1:25
